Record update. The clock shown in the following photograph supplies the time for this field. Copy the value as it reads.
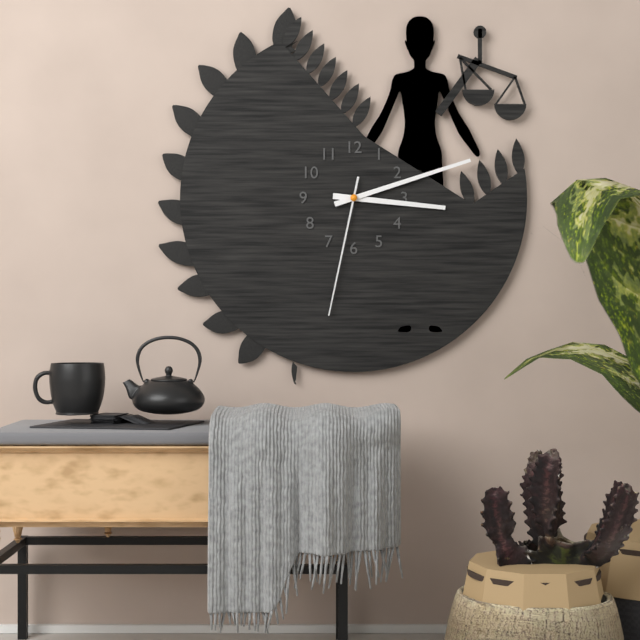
3:12:32
